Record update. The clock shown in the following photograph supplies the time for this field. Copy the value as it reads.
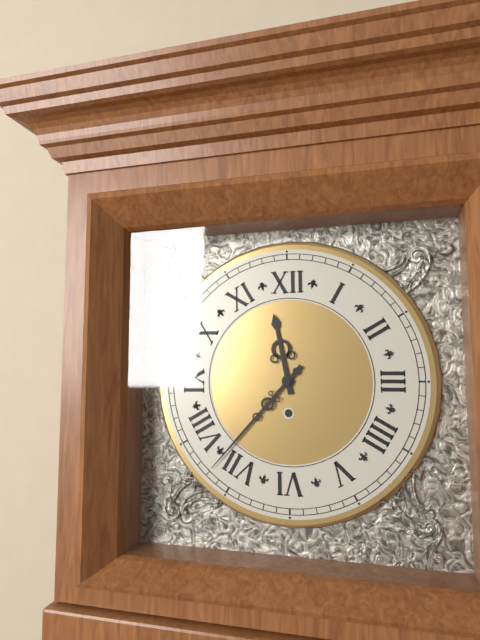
11:37
